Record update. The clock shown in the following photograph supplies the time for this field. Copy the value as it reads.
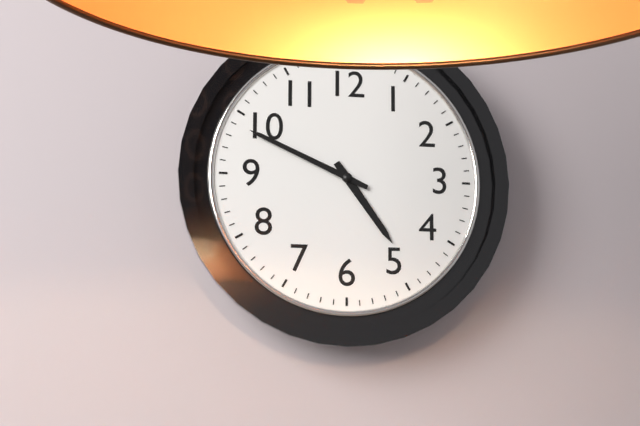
4:49
